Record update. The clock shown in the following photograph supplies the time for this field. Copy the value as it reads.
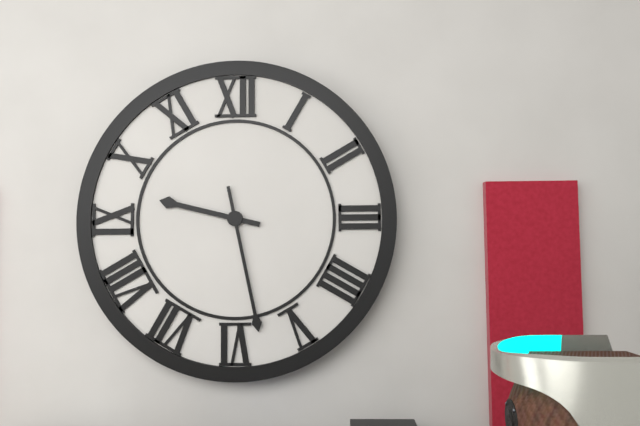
9:28
